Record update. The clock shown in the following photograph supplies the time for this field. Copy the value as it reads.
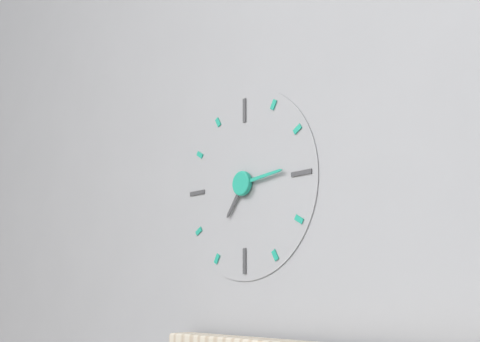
7:14
